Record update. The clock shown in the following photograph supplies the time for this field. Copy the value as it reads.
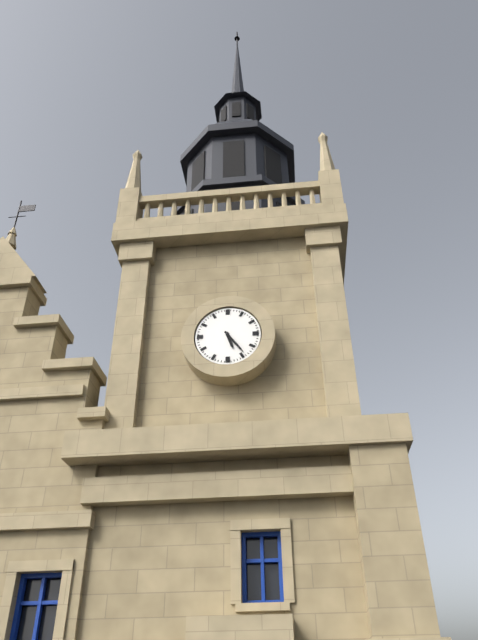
5:24
